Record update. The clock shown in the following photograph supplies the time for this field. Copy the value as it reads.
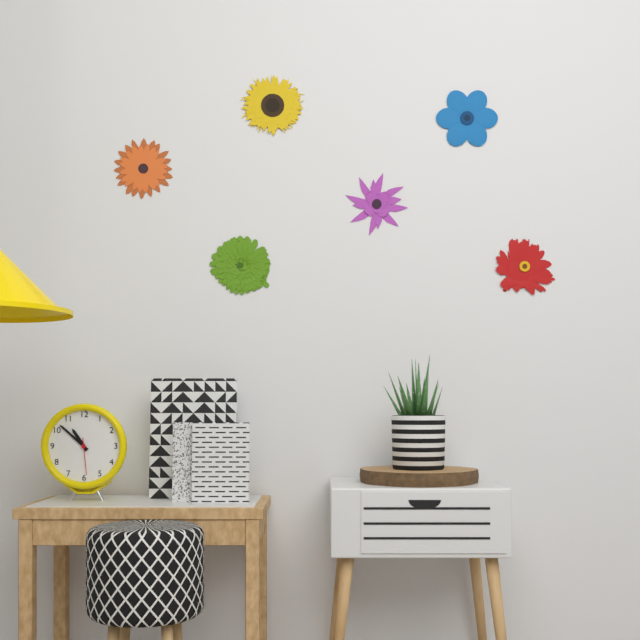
10:52
